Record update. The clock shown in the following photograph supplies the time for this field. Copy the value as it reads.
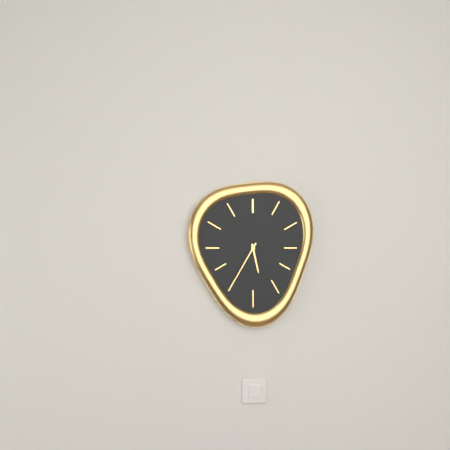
5:35
